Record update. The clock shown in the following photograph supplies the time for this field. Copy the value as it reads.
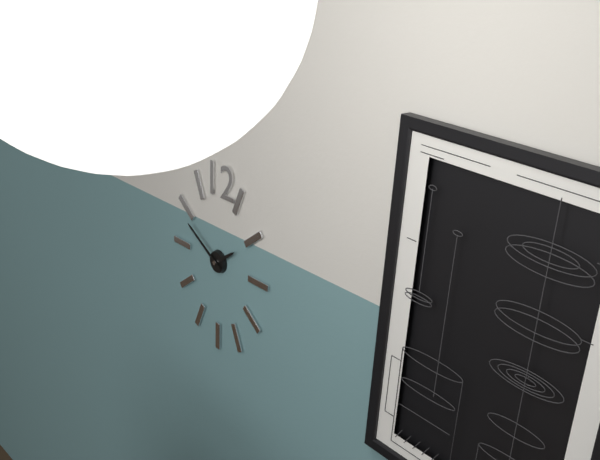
1:50
